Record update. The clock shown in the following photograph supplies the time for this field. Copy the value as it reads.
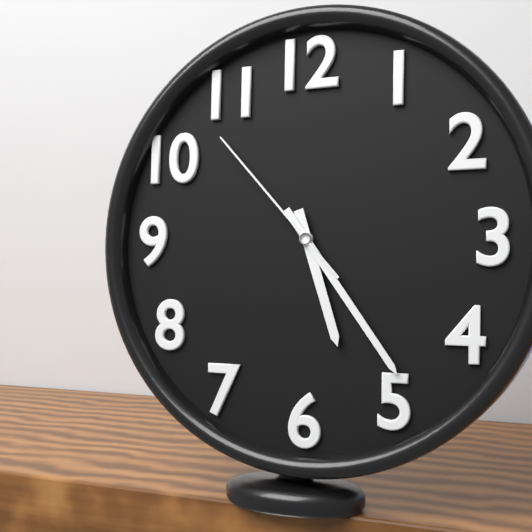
5:24:53
